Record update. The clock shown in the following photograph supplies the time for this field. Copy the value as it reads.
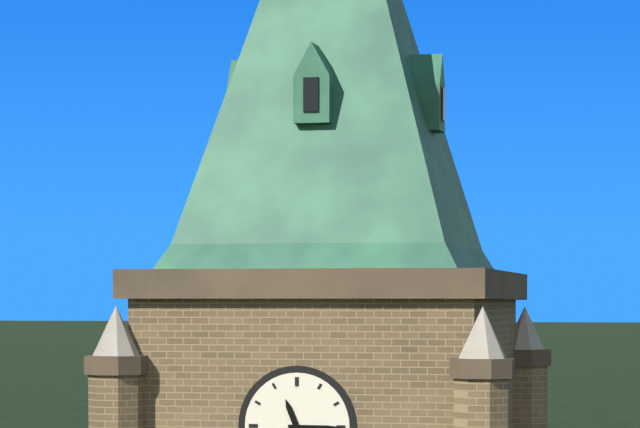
11:15
